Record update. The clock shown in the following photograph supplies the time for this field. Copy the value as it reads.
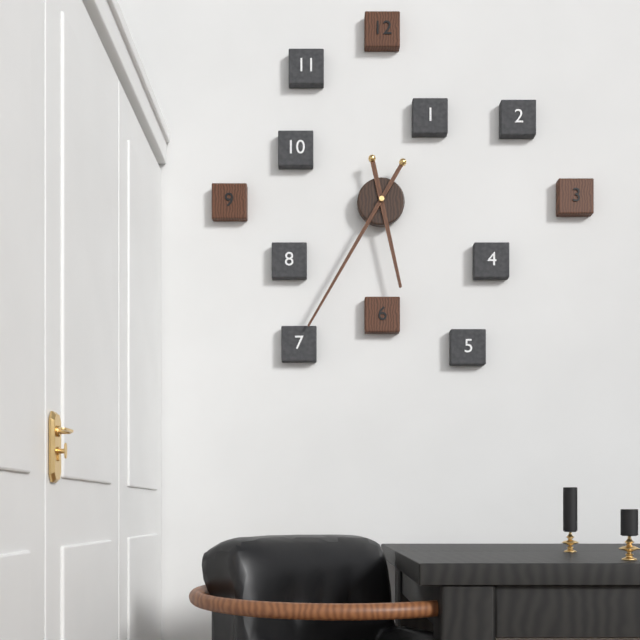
5:35
